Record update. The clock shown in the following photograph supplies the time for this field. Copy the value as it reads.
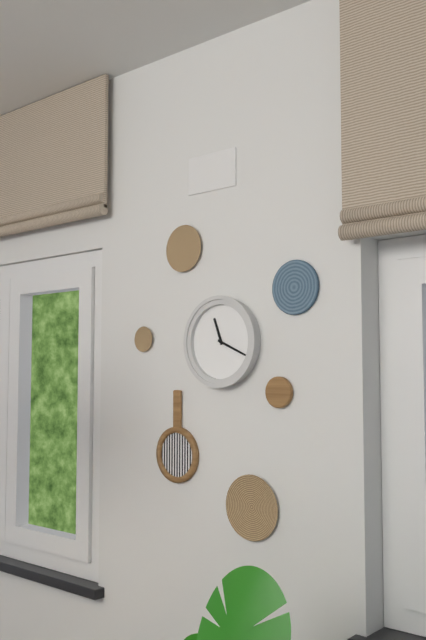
11:19
